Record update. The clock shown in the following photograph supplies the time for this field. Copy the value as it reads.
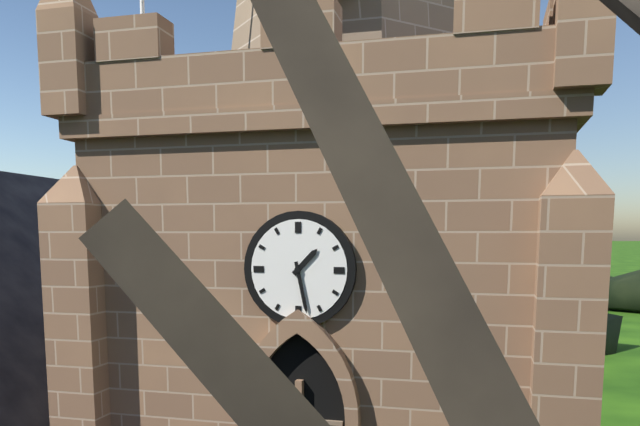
1:28
